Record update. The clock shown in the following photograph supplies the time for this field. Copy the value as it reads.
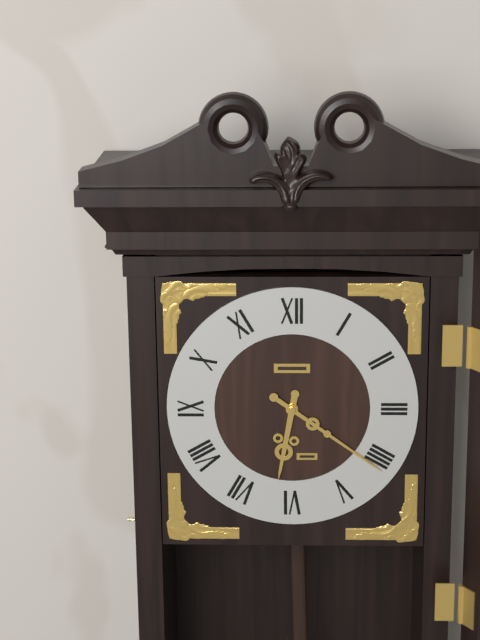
6:21
